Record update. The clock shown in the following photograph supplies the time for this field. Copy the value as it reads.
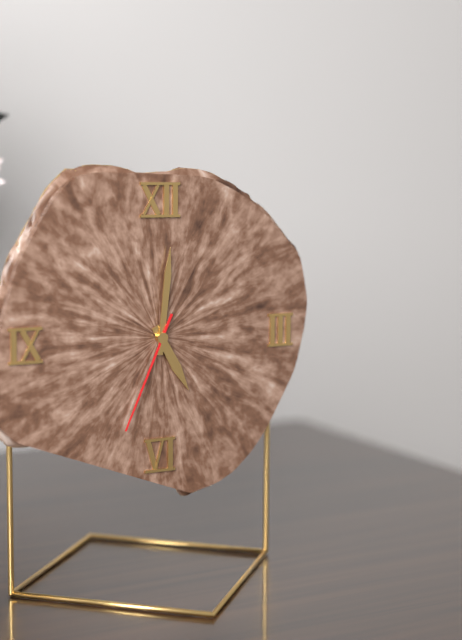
5:01:34
